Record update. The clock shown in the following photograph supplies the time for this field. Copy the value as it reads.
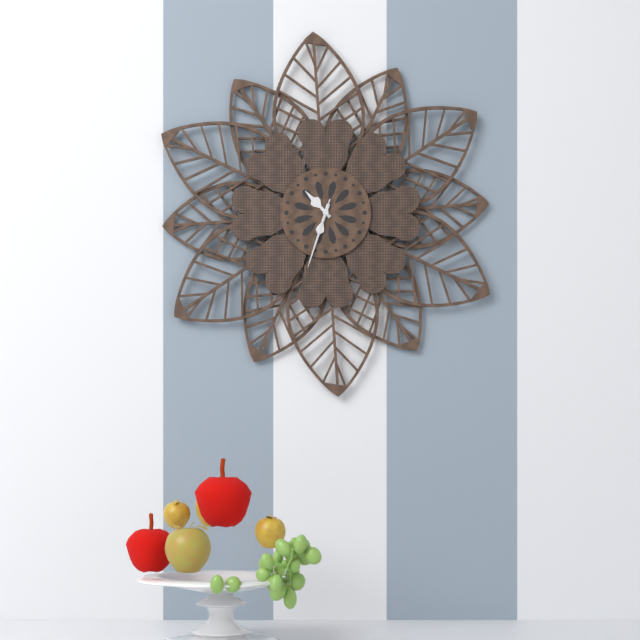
10:33:33
